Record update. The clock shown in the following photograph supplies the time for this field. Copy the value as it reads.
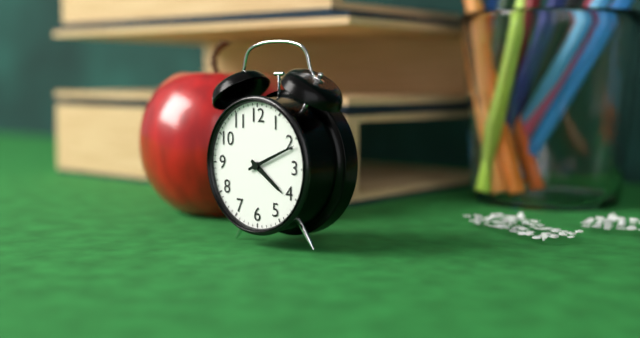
4:11
